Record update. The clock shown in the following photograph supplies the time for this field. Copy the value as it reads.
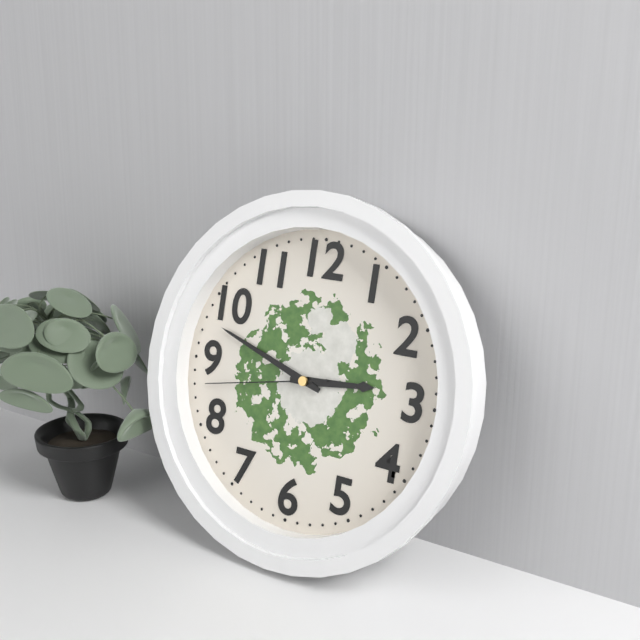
2:48:43
